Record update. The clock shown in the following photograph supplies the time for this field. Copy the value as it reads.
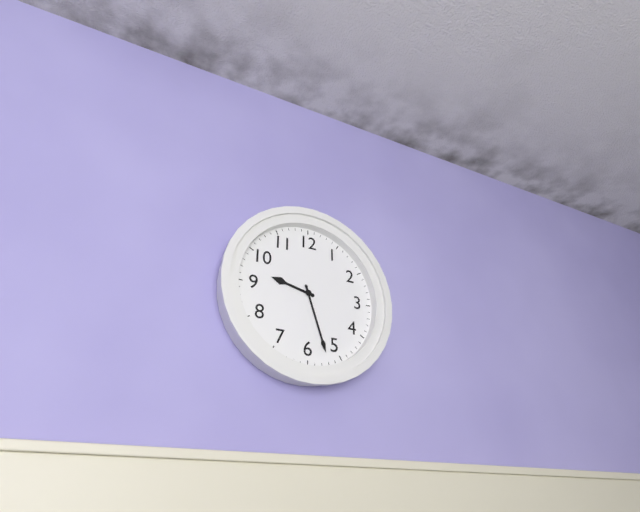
9:27
